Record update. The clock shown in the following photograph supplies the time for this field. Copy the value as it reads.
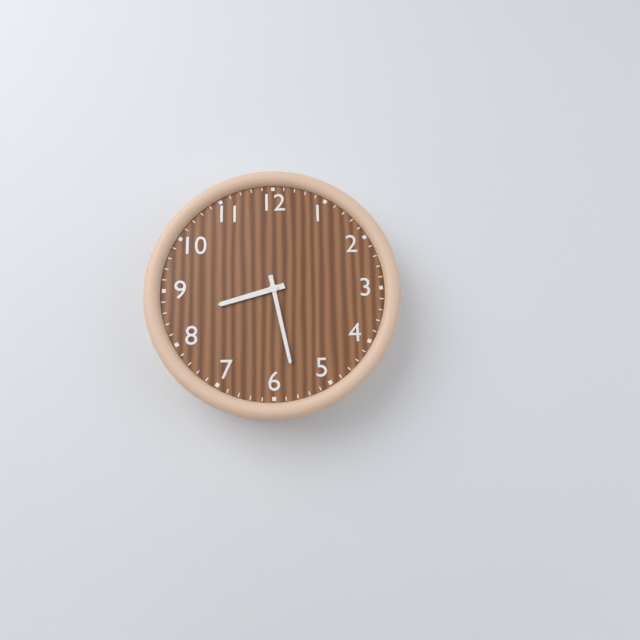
8:28
